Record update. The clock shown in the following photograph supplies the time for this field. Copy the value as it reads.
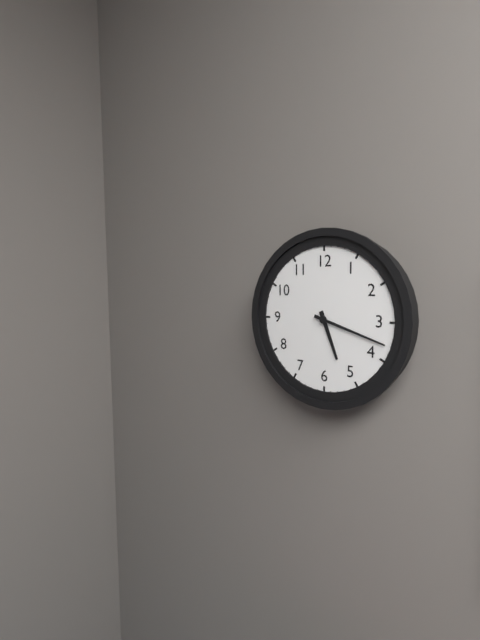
5:18
